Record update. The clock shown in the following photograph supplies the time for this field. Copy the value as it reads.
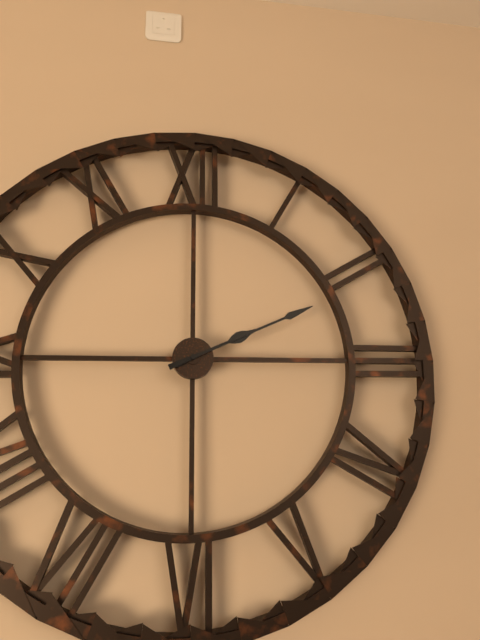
2:11
